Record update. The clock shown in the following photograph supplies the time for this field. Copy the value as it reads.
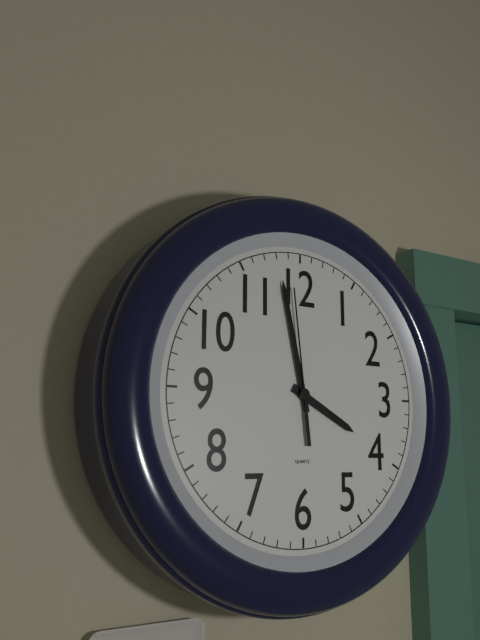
3:58:59
